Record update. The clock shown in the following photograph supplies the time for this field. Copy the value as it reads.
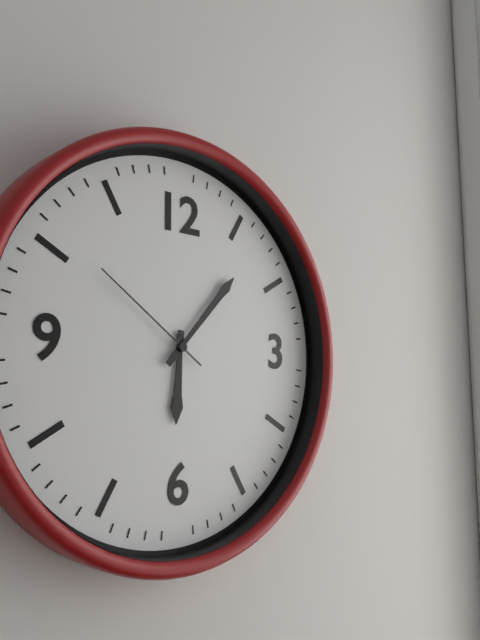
6:07:51
